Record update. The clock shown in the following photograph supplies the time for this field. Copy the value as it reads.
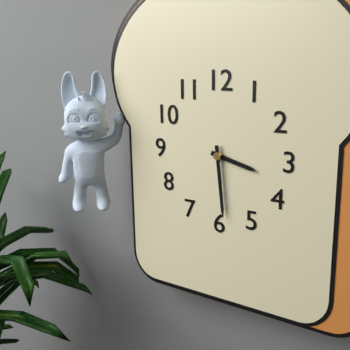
3:29
